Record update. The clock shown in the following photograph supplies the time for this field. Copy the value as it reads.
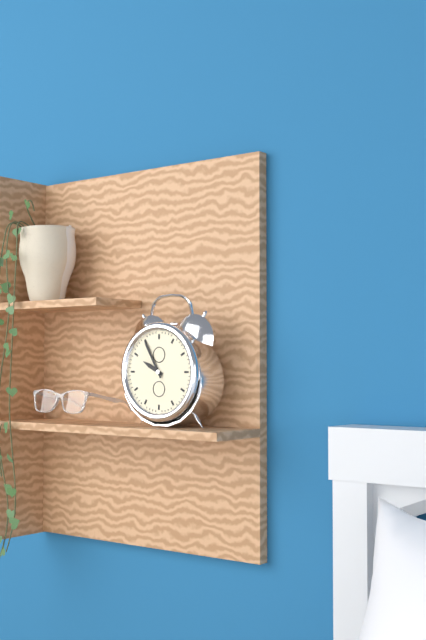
9:55
